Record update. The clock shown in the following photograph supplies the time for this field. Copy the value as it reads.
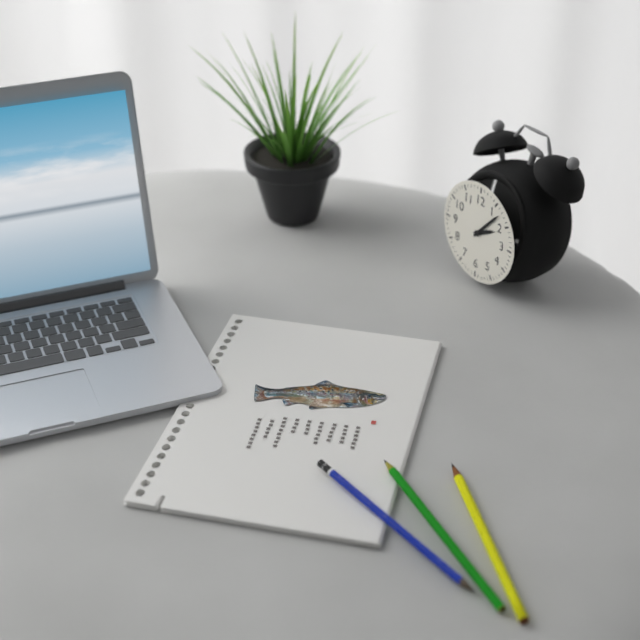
2:07
